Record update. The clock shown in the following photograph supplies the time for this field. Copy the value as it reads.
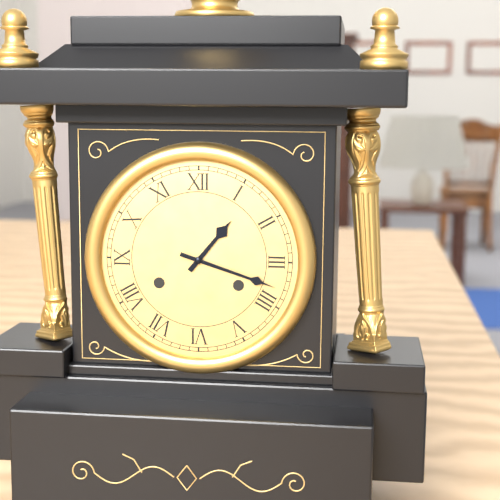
1:18
